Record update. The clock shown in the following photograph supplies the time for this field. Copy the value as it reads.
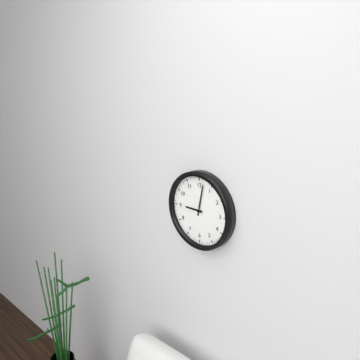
9:02
